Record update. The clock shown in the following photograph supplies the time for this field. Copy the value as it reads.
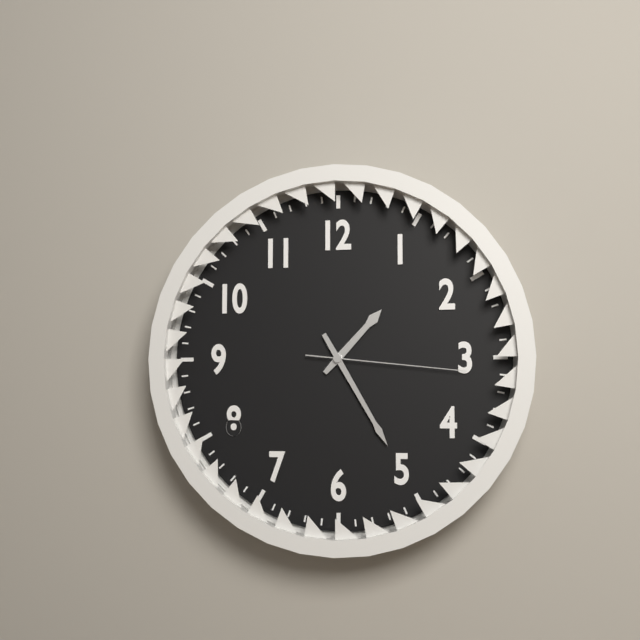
1:25:16
